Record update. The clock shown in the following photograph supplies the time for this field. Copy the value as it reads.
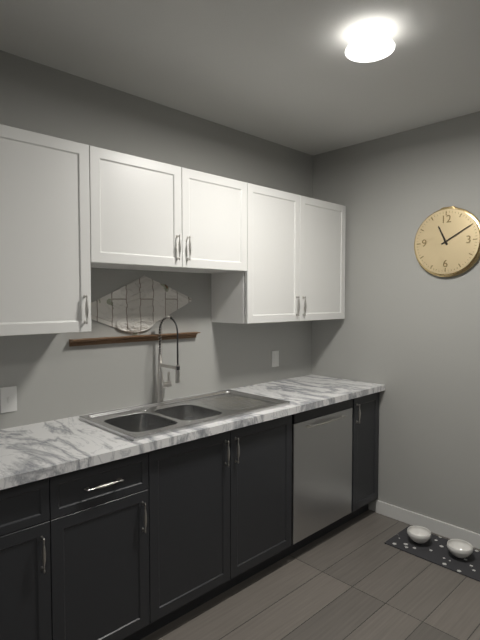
11:10
